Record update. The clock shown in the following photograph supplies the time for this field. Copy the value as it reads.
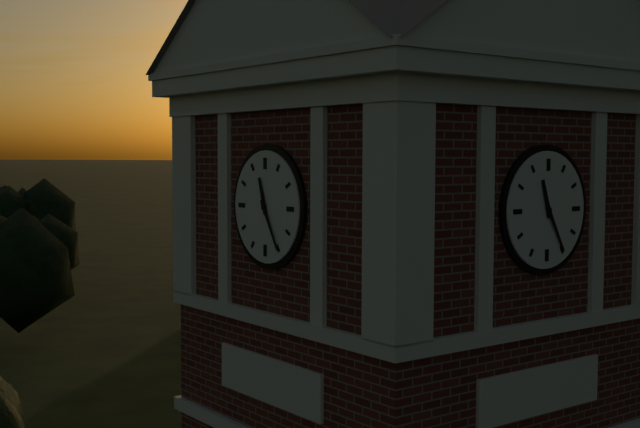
11:25
